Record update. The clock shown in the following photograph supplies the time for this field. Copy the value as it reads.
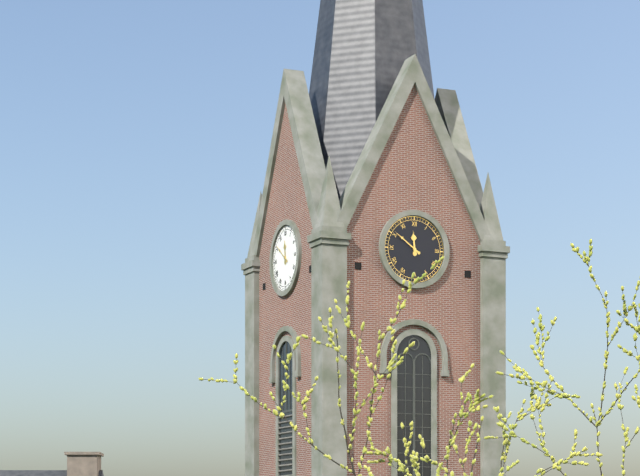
11:51
